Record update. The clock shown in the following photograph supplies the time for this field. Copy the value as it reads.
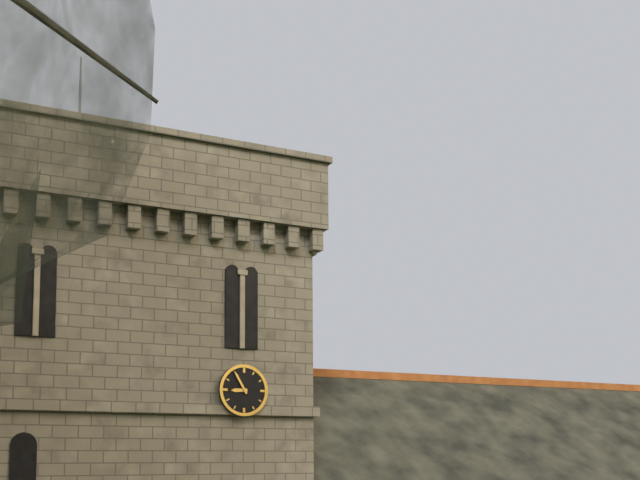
8:55
